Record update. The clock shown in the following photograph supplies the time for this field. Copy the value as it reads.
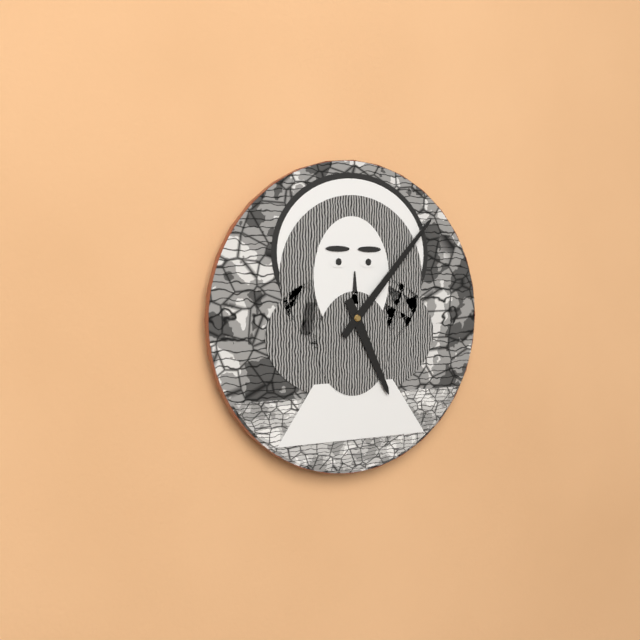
5:07
